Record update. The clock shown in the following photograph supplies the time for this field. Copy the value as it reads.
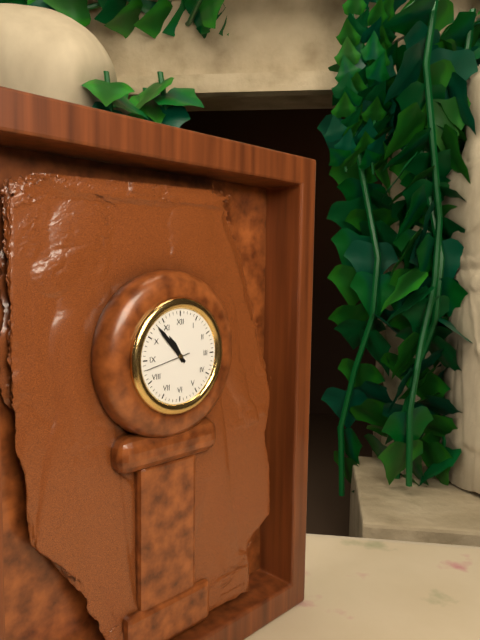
10:53
